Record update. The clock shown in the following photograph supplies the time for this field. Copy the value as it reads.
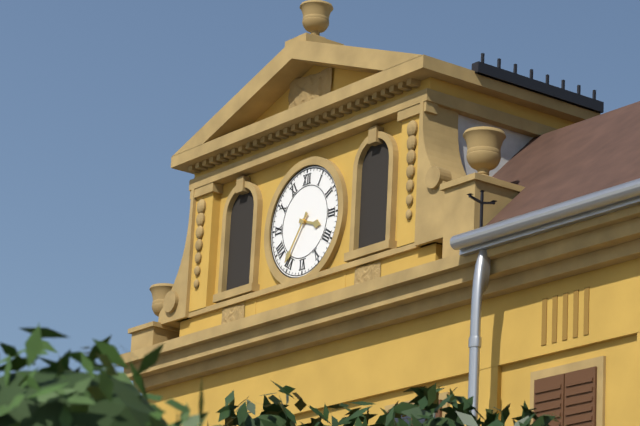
3:36
